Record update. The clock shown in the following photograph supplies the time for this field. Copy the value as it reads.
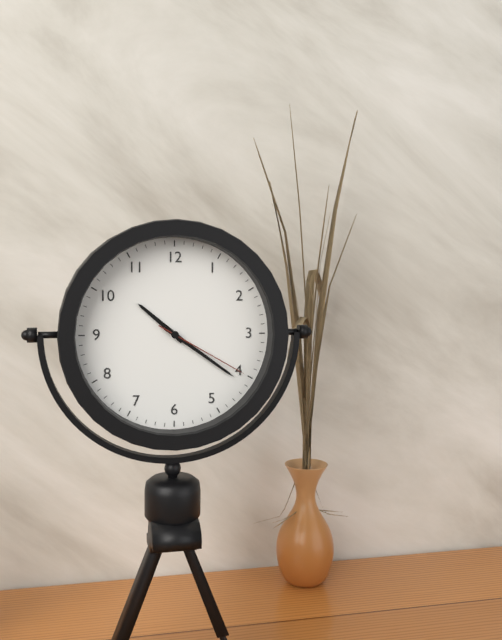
10:21:20
